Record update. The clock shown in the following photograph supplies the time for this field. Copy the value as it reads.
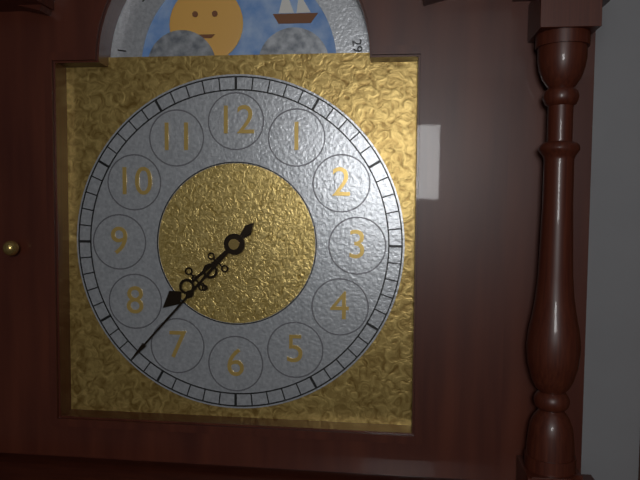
7:37
